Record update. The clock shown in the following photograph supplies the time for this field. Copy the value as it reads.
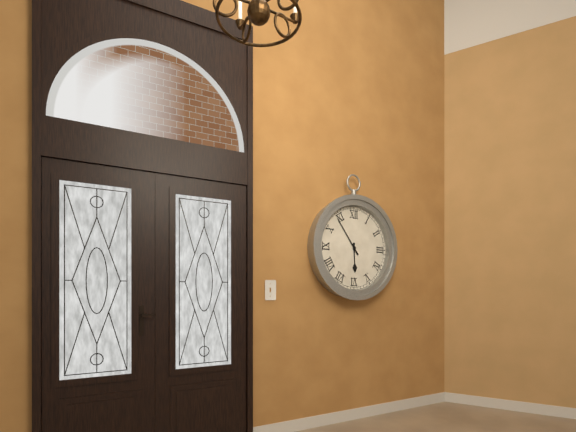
5:54
